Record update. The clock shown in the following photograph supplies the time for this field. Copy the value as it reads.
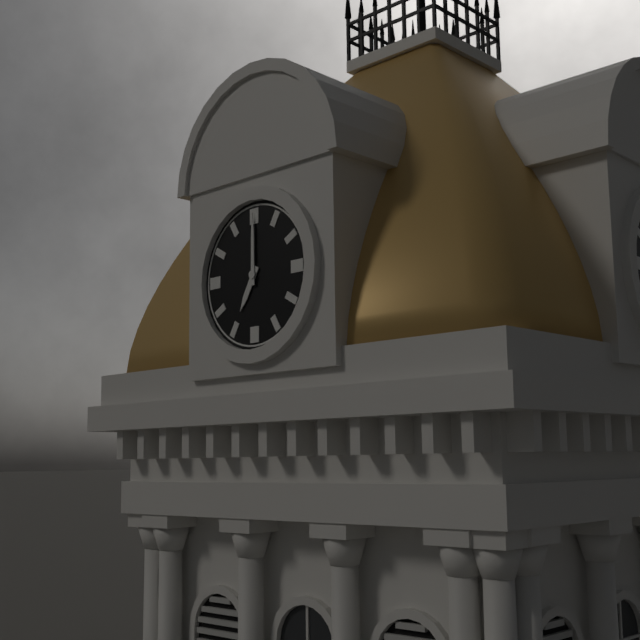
7:00
